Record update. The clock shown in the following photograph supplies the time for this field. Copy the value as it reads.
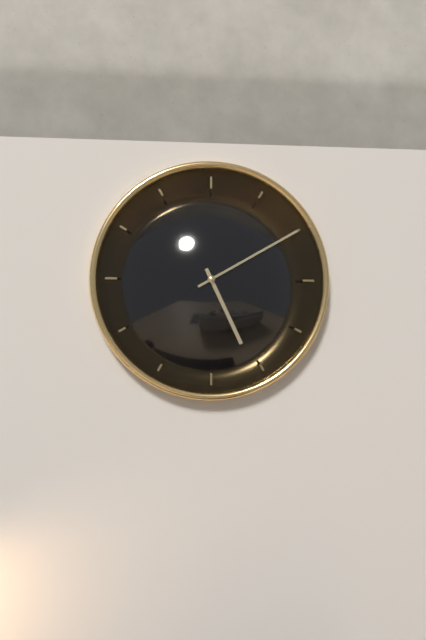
5:10
